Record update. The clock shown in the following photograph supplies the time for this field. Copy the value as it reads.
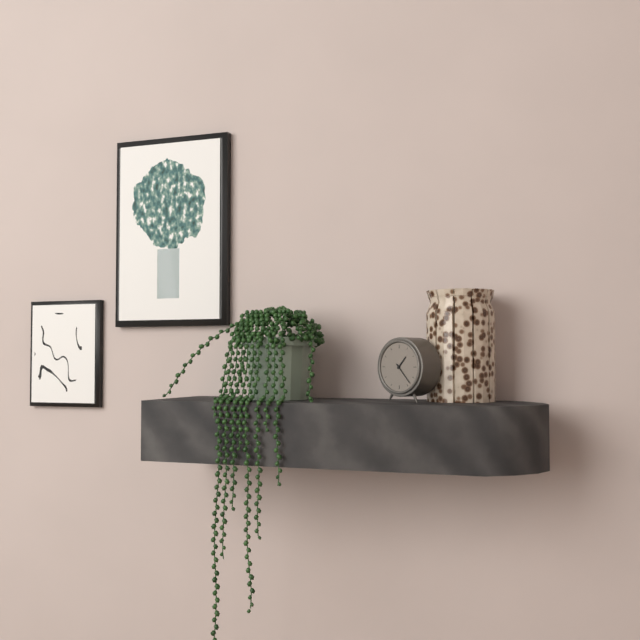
1:23
